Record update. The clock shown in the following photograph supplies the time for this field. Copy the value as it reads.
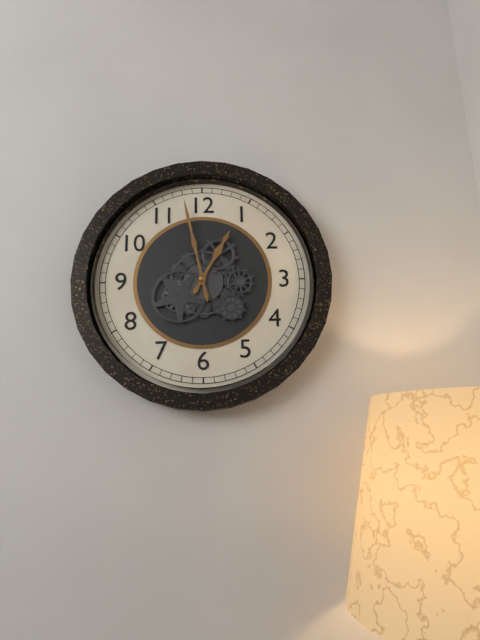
12:58
